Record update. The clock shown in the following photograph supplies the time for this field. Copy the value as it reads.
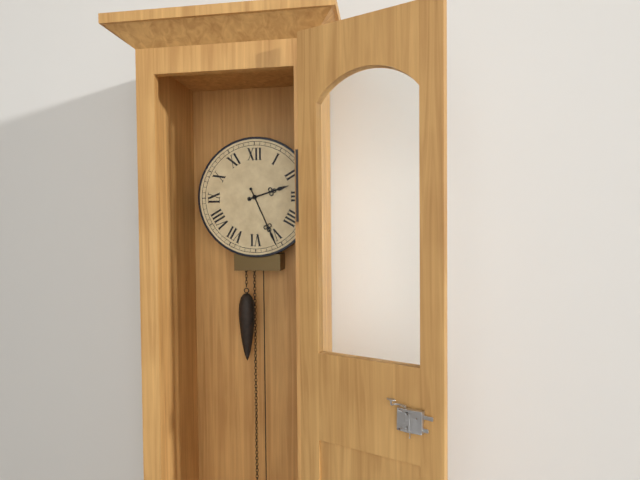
2:26
